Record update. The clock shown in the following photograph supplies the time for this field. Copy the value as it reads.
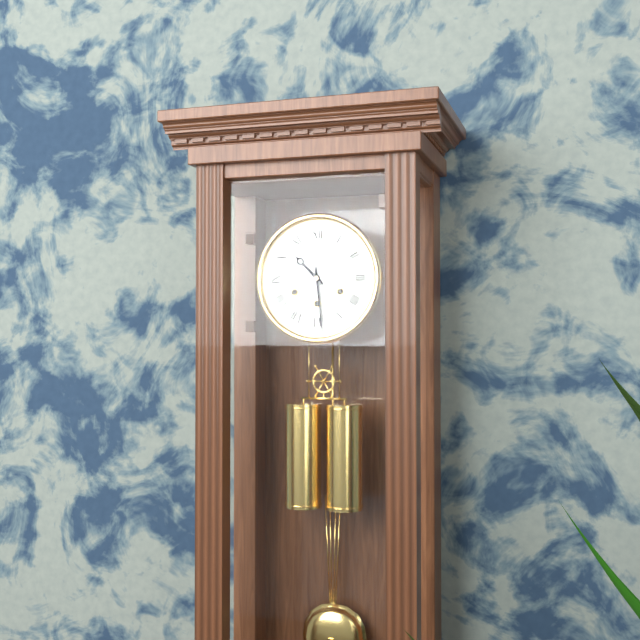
10:29
